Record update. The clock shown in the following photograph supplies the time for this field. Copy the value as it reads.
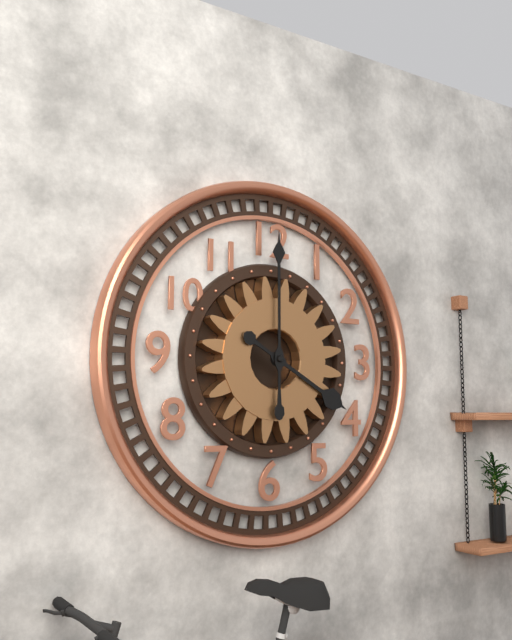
4:00
